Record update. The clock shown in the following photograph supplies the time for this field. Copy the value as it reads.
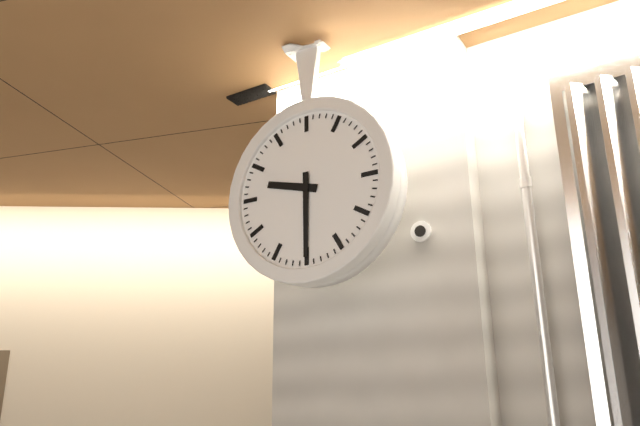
9:30
